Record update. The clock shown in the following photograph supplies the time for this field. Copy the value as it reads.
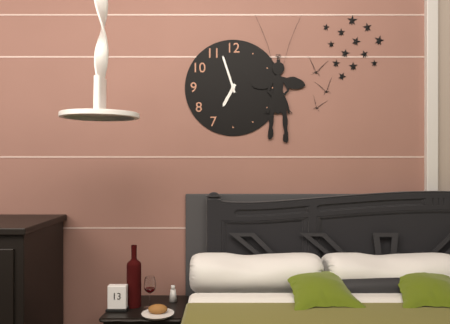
6:57
